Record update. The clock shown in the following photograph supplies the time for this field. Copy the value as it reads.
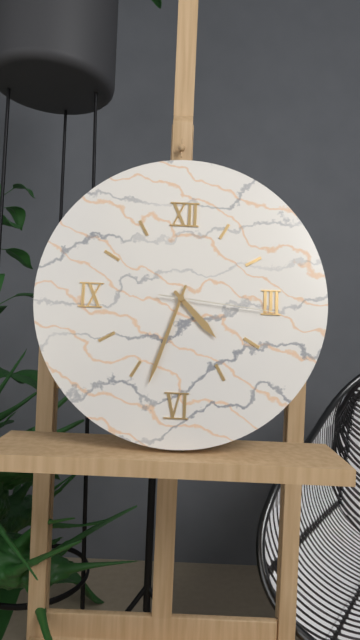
4:33:16
